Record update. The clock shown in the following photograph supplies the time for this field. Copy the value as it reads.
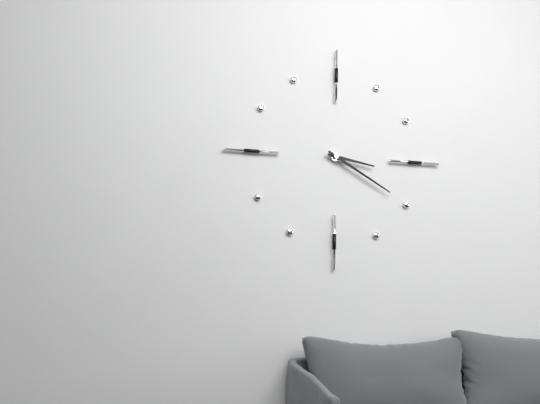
3:20
